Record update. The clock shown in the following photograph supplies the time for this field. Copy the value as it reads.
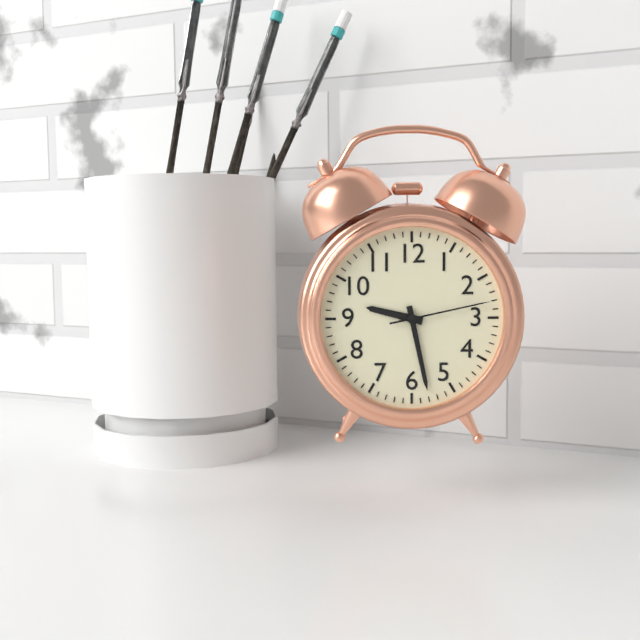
9:28:13
